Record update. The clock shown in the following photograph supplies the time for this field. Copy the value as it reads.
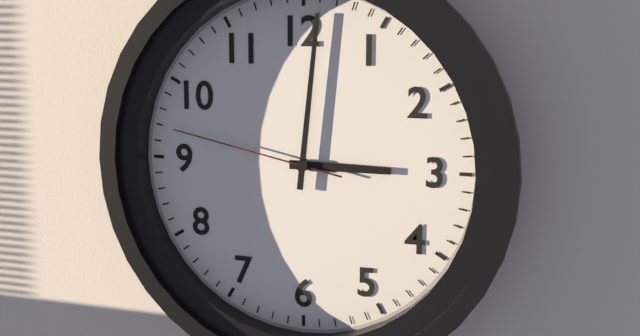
3:01:47
